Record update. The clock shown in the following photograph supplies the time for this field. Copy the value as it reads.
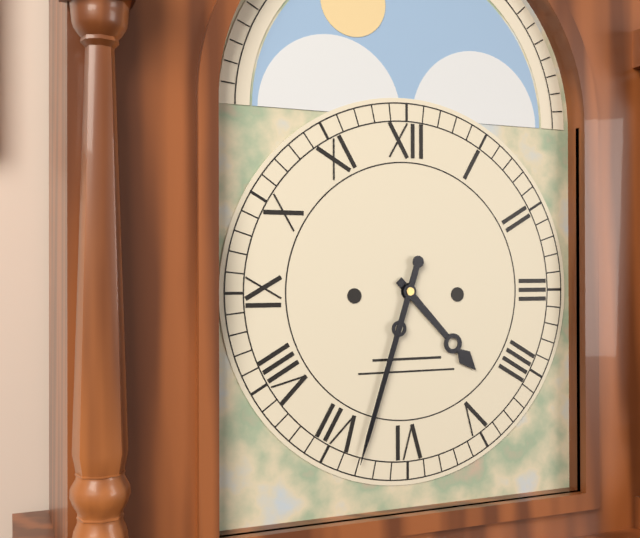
4:33
